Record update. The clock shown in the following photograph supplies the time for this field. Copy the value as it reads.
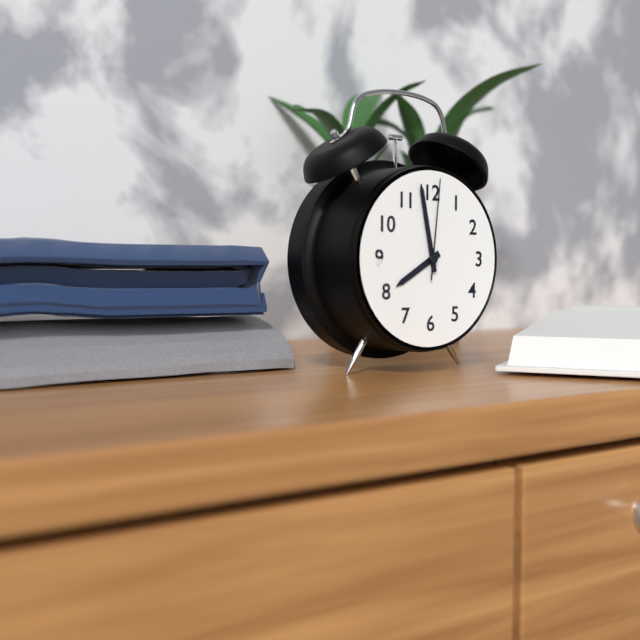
7:58:01
